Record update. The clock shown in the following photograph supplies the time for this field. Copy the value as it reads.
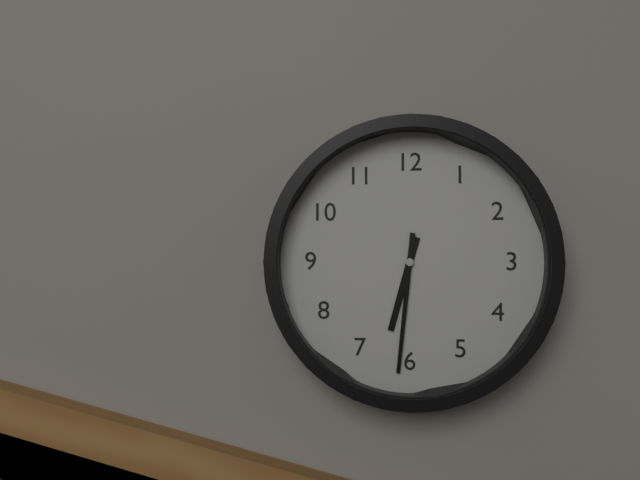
6:31
